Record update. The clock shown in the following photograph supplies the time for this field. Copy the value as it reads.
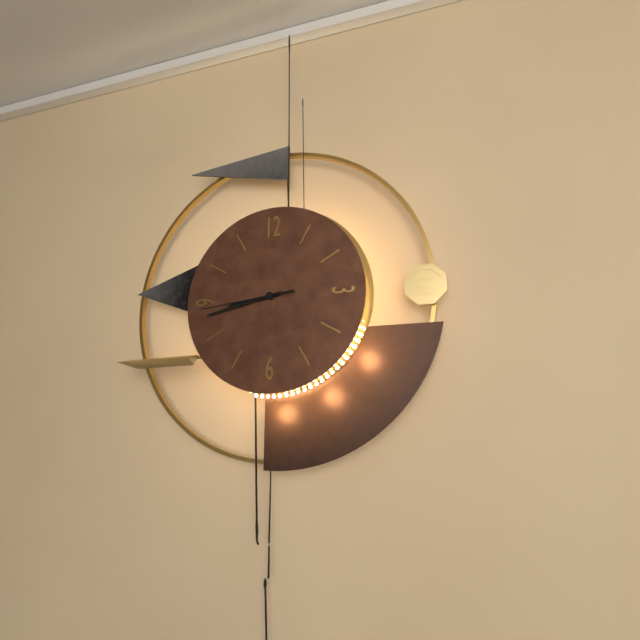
8:43:44
